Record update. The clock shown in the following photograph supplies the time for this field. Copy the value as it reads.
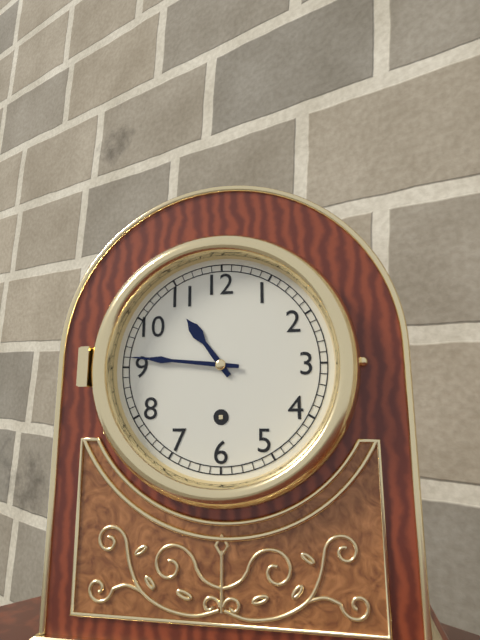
10:46
